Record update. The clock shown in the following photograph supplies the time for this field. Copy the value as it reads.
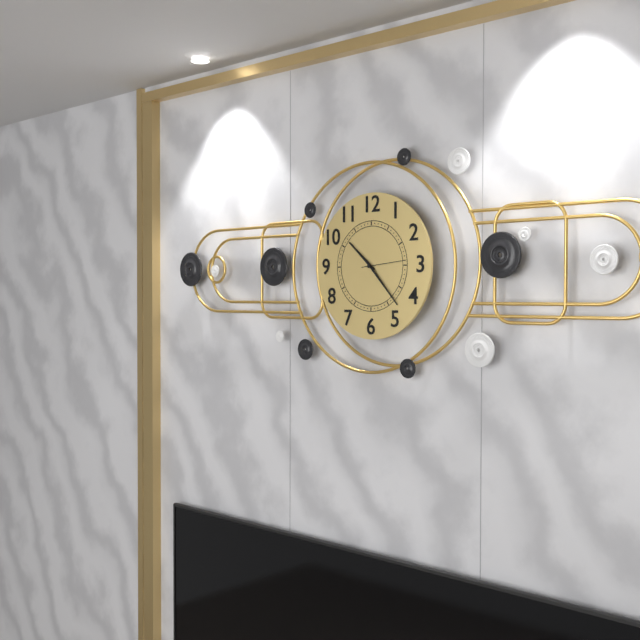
10:23
